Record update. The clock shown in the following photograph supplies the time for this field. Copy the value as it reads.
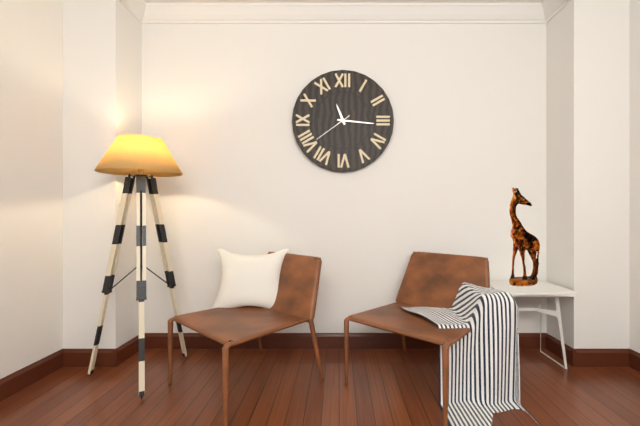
11:16
